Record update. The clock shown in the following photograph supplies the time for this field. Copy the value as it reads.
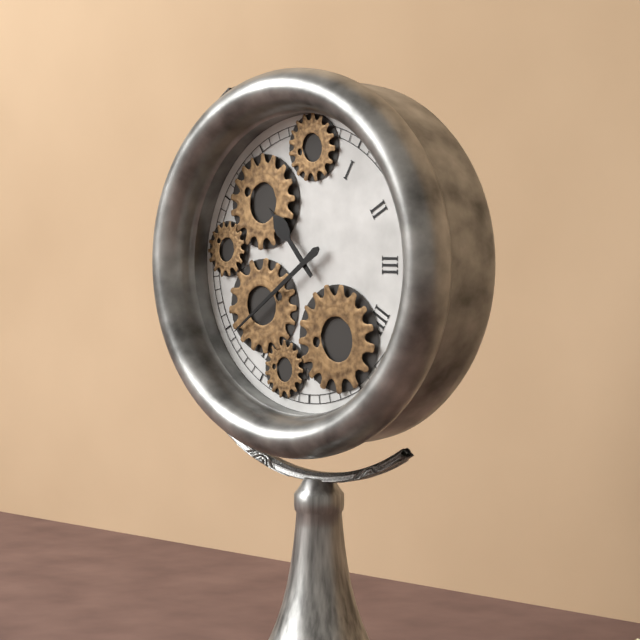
10:39
